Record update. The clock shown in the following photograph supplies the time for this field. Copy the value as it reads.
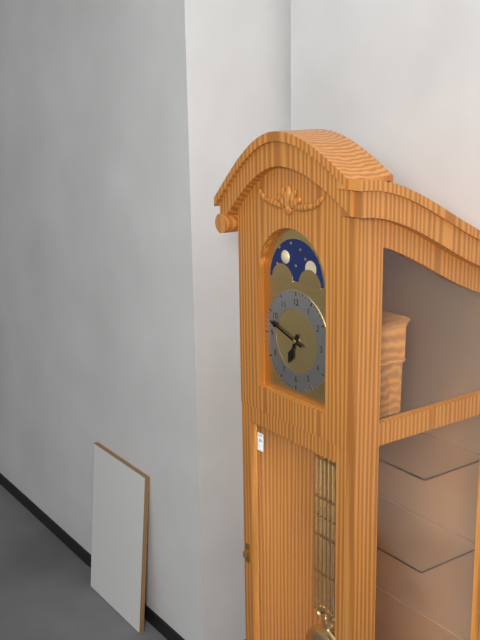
6:48
